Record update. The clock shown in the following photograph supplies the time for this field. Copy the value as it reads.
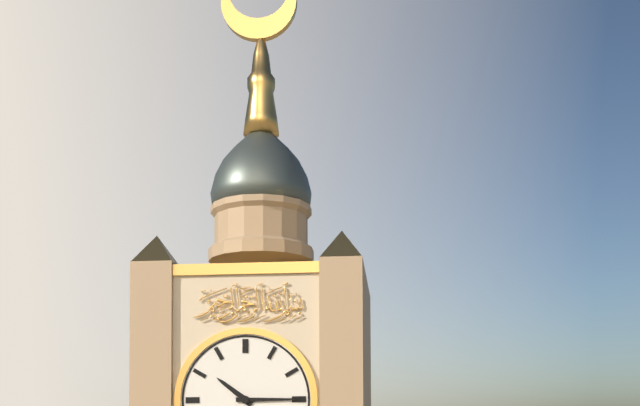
10:15
